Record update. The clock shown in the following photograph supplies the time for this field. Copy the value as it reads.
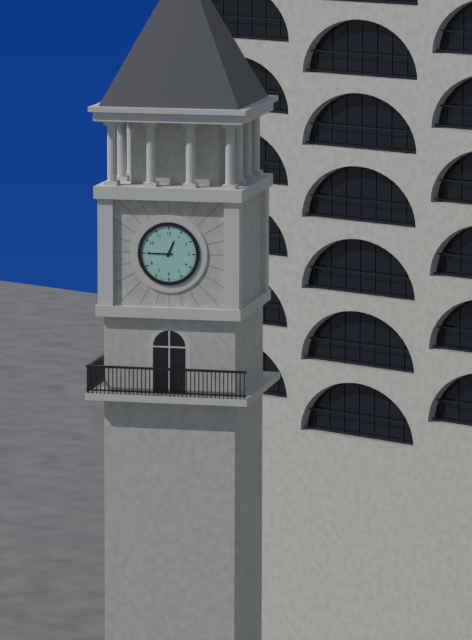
12:45
